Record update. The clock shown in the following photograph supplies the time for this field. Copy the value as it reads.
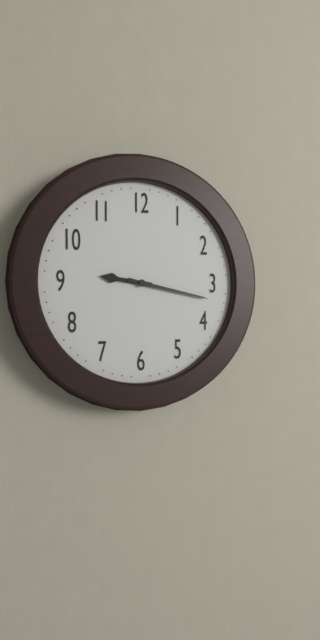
9:17
